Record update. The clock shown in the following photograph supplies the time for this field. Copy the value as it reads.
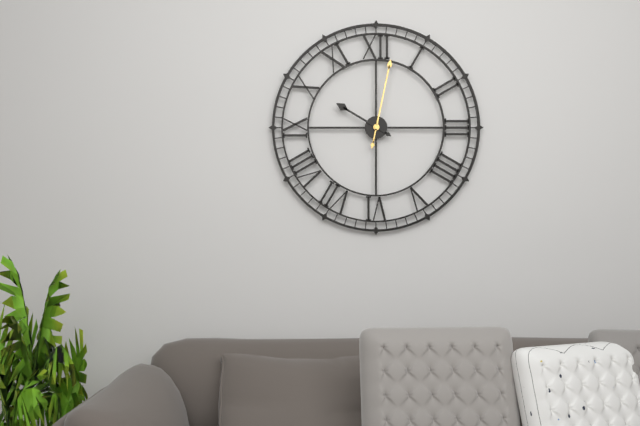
10:02
